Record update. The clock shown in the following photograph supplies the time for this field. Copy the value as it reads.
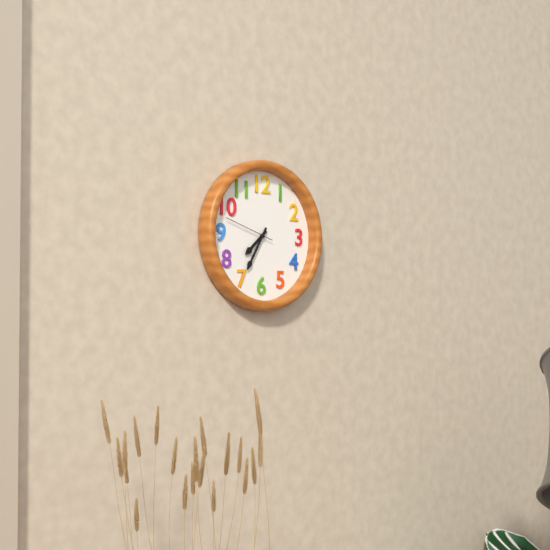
7:35
